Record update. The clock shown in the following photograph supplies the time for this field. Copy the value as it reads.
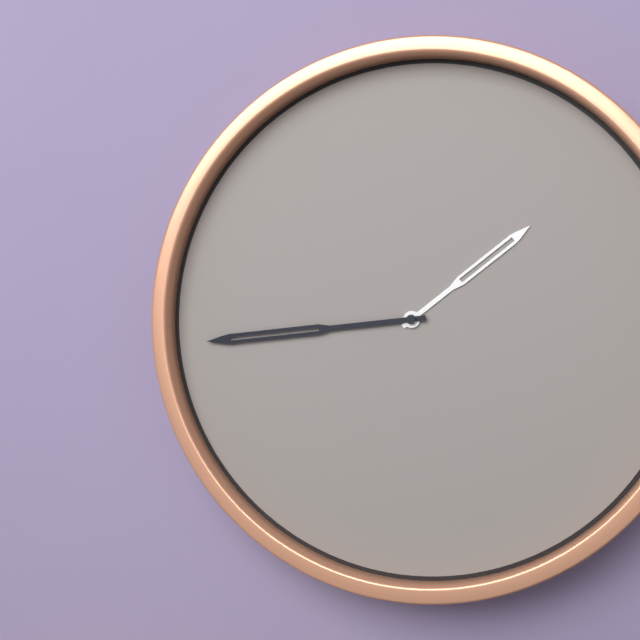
1:44
